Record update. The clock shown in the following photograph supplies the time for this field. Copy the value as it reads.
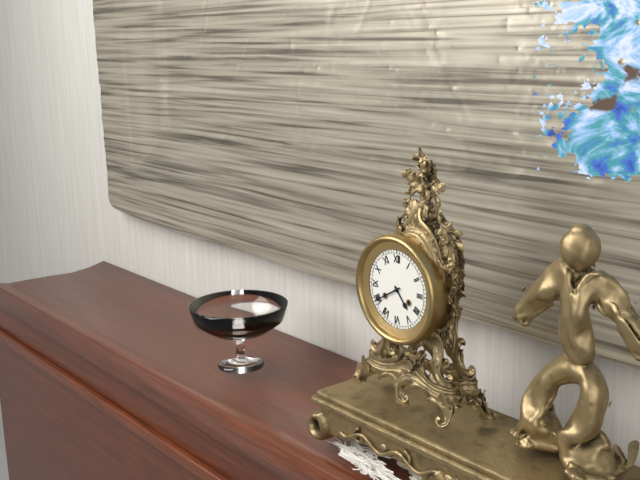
4:40
